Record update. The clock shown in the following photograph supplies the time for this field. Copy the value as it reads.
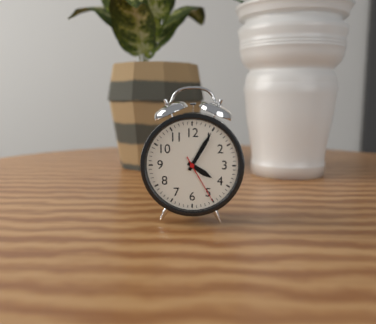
4:05:25
